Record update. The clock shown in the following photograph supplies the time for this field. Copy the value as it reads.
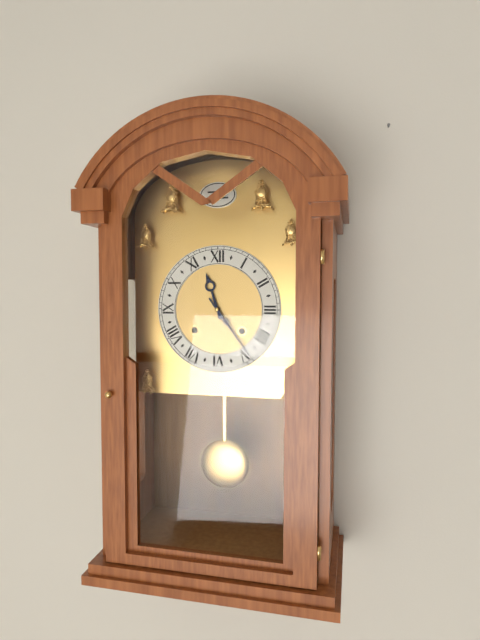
11:24
